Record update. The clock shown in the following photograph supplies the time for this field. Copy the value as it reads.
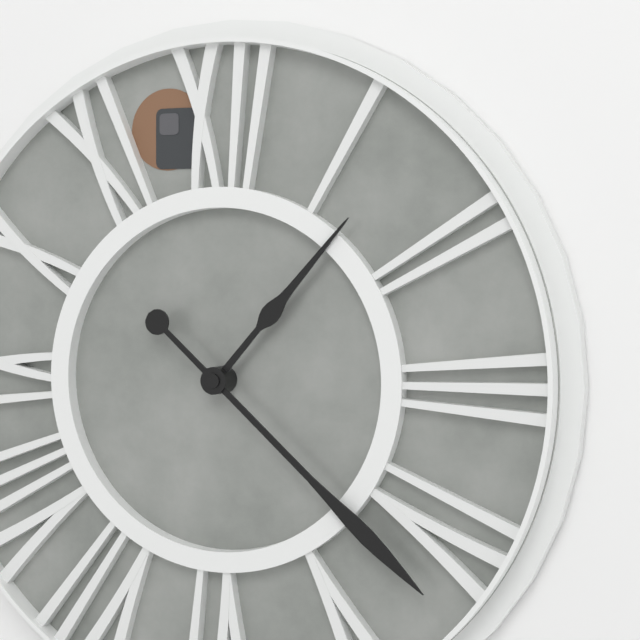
1:22
